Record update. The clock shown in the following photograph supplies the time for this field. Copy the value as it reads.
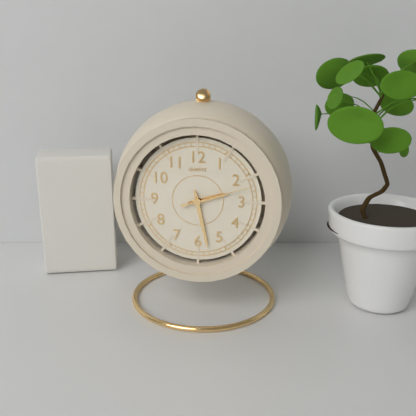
2:28:12
